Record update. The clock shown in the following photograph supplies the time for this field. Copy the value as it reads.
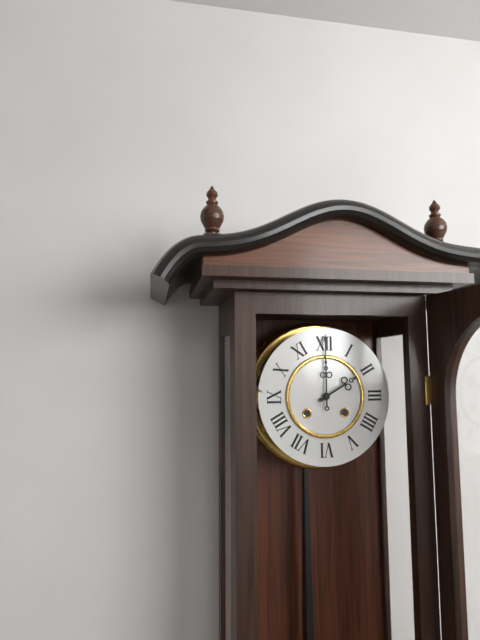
2:00
